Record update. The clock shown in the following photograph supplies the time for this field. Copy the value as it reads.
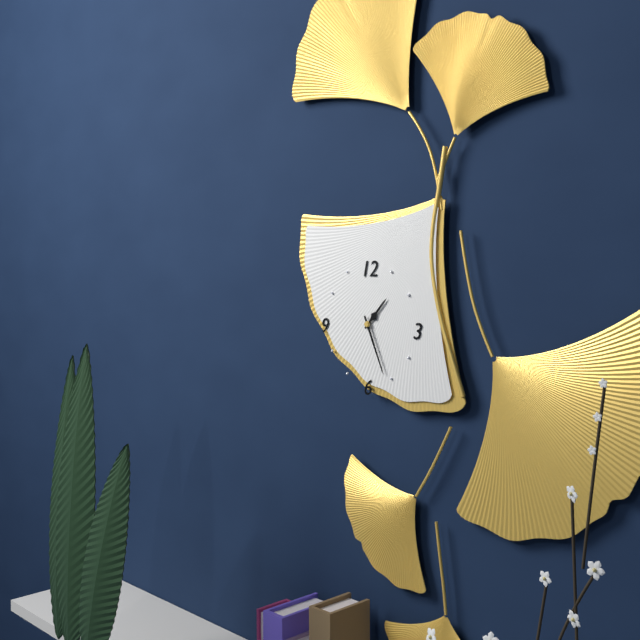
1:26
